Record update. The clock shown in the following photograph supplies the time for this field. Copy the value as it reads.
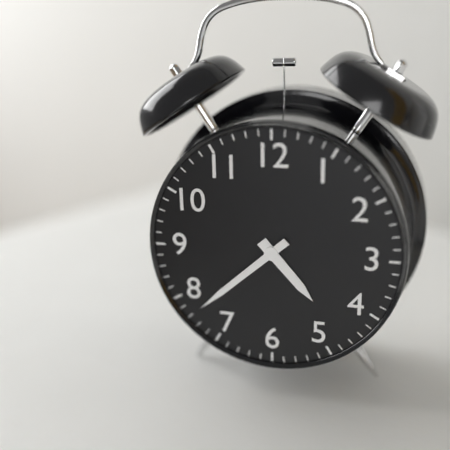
4:38
